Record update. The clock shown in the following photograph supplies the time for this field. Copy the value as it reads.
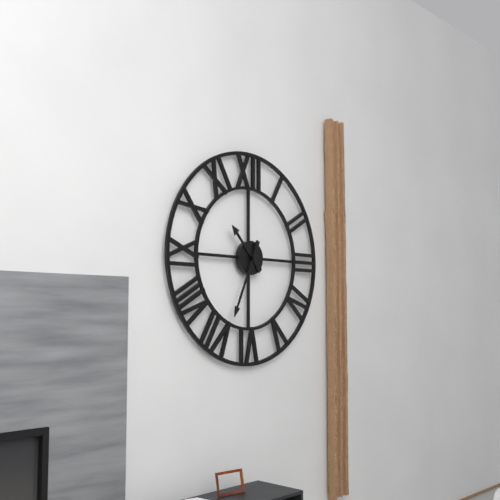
10:34
